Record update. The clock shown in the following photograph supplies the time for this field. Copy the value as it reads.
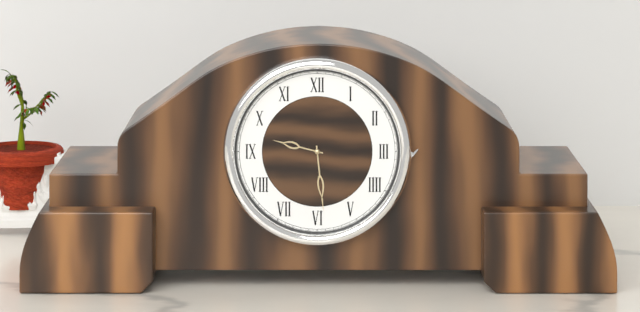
9:29
